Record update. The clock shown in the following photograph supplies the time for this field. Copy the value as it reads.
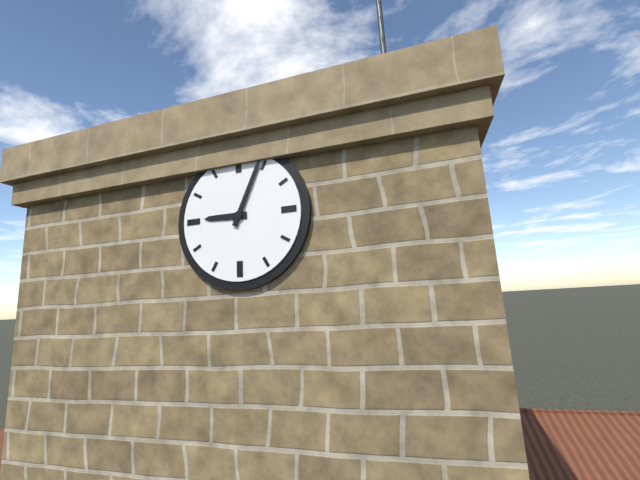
9:04
